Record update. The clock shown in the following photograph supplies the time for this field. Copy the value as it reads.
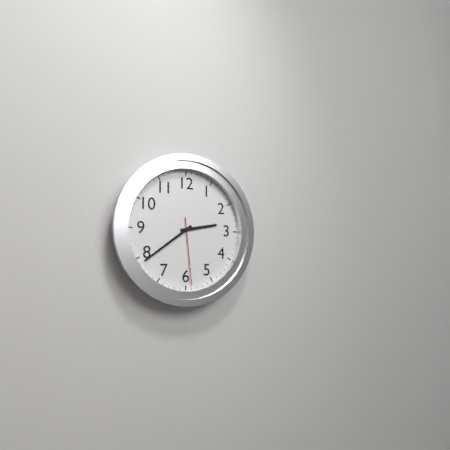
2:39:29
